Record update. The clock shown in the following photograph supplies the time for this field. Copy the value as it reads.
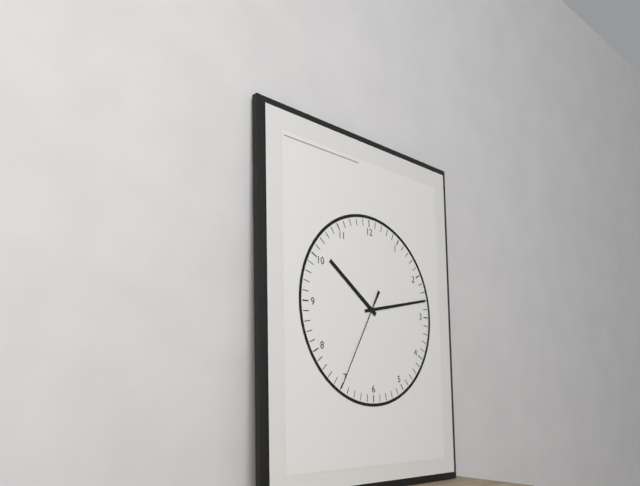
10:13:35
